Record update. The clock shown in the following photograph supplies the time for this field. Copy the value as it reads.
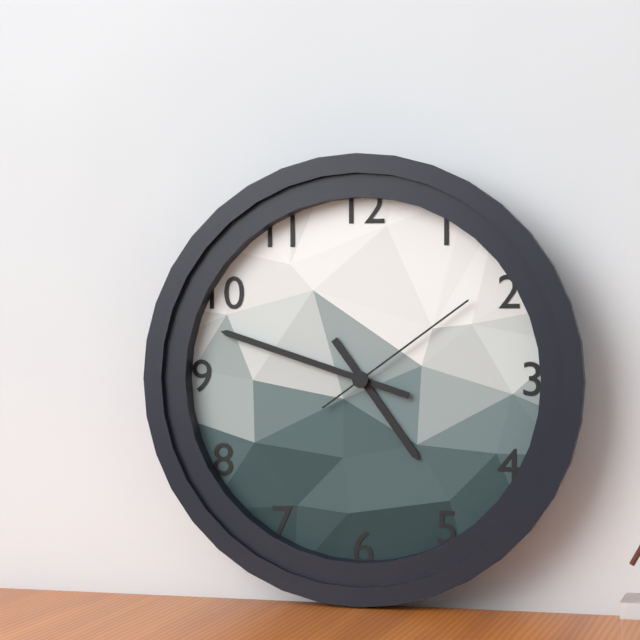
4:48:09
